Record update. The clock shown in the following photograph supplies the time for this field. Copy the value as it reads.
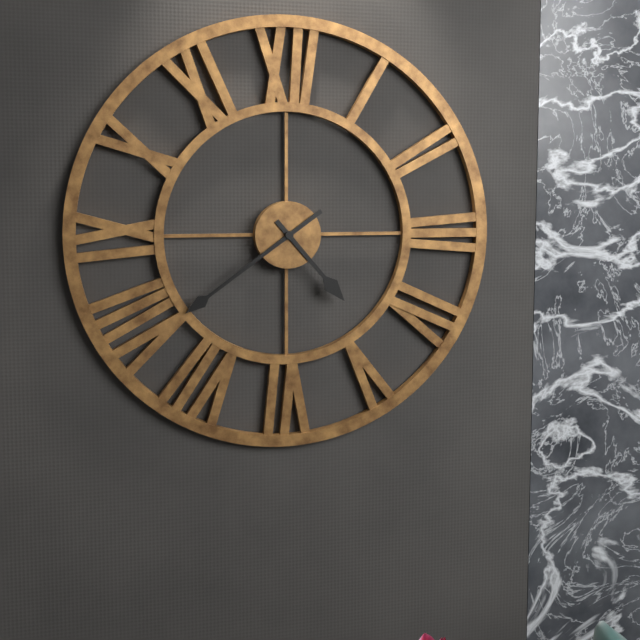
4:39
